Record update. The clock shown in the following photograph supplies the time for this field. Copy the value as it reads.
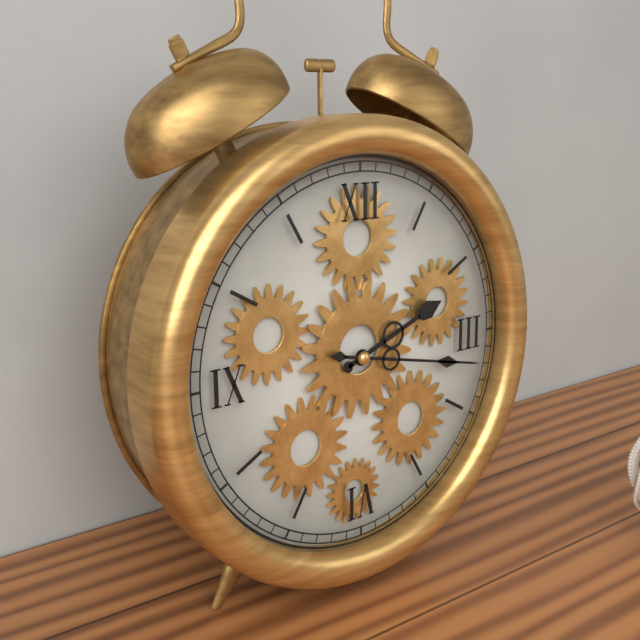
2:17
